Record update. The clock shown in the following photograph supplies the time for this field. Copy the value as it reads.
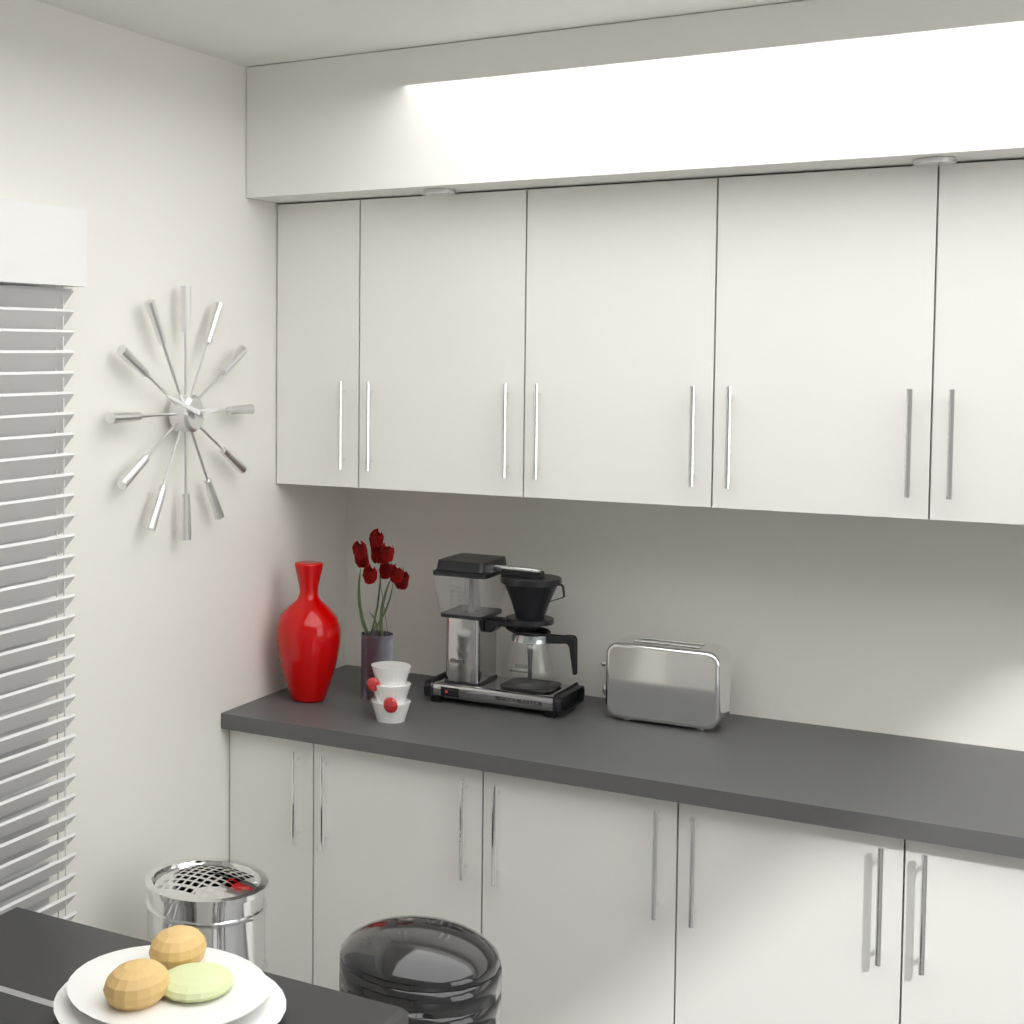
2:48
